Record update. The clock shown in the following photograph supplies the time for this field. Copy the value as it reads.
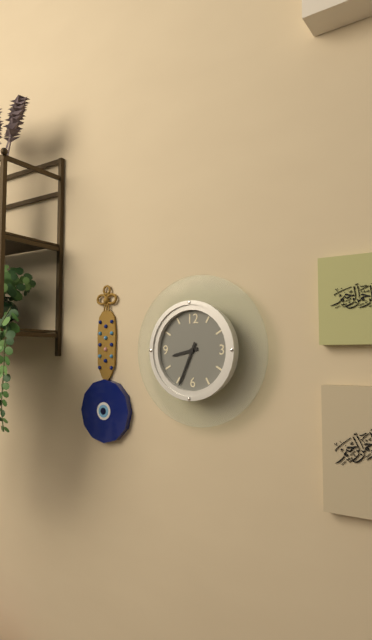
8:34
